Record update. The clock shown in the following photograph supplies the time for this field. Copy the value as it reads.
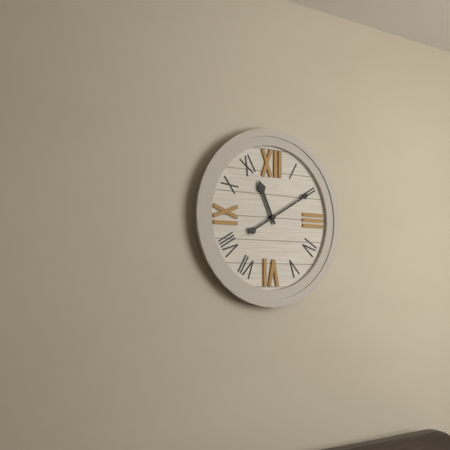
11:10
